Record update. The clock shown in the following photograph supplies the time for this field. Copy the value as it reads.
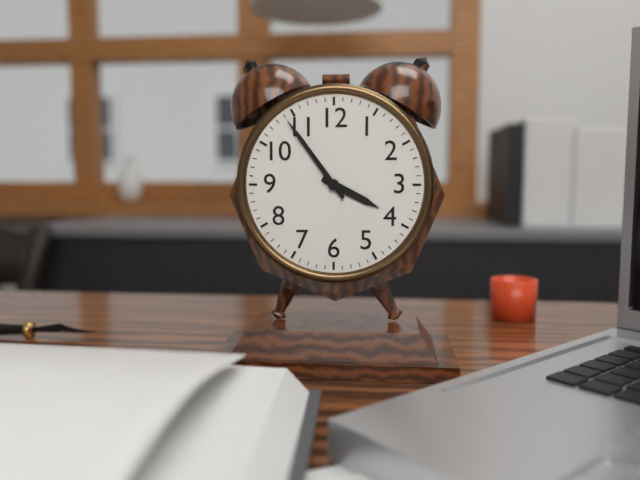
3:54
